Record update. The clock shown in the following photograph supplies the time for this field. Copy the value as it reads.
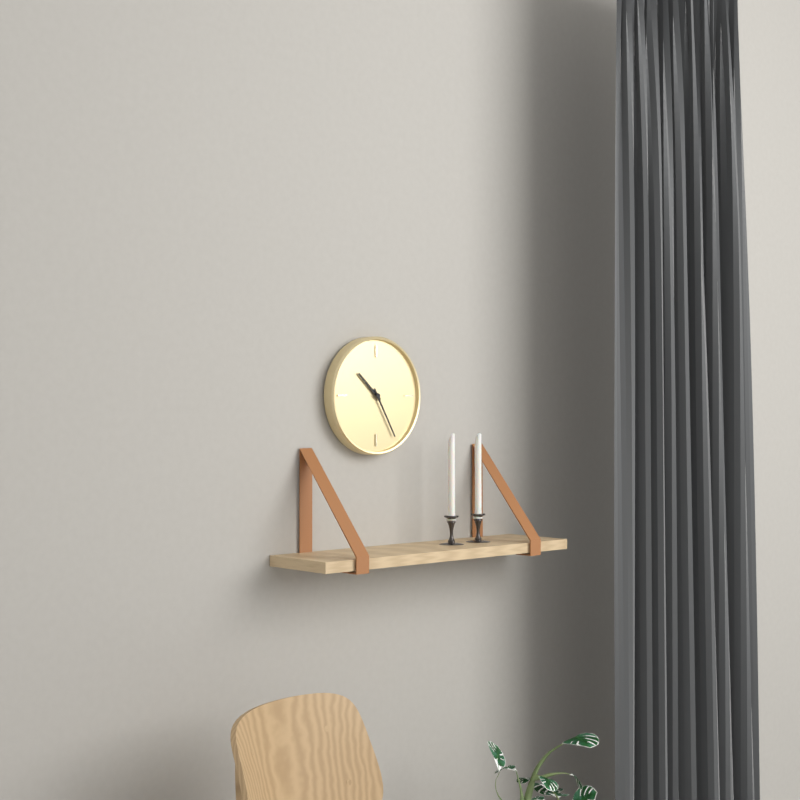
10:25
